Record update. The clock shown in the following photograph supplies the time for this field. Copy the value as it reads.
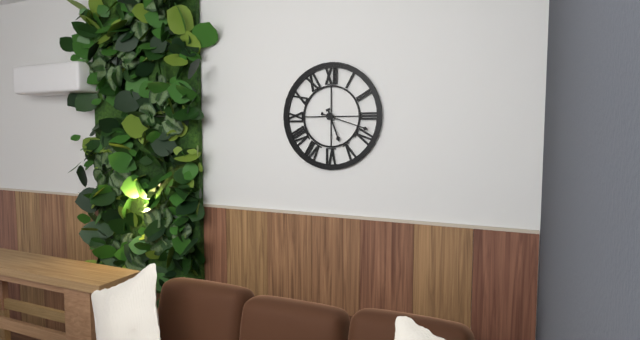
5:18
